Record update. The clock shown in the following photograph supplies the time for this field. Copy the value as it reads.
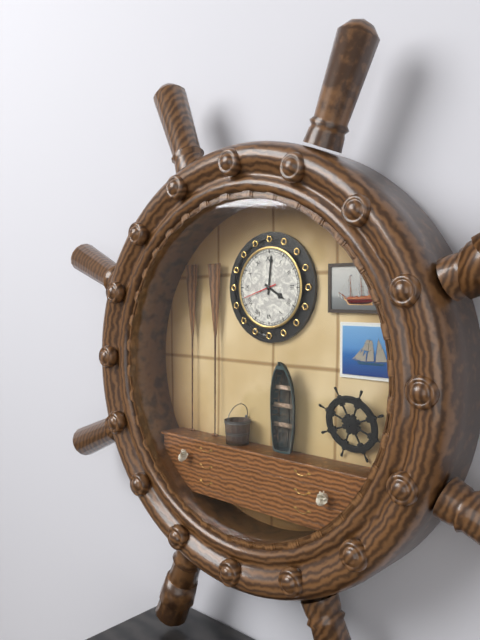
4:01
